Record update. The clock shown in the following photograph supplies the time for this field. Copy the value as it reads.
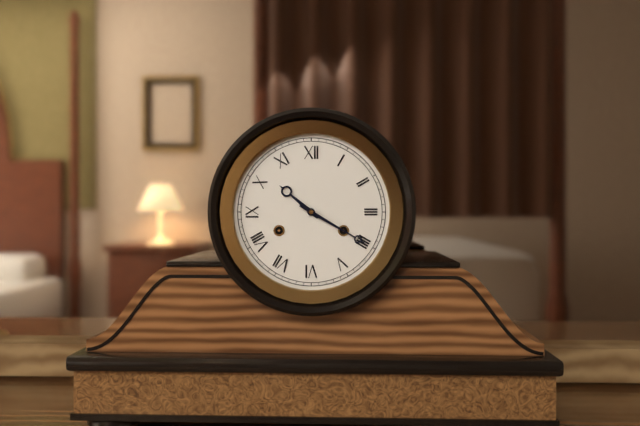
10:20
